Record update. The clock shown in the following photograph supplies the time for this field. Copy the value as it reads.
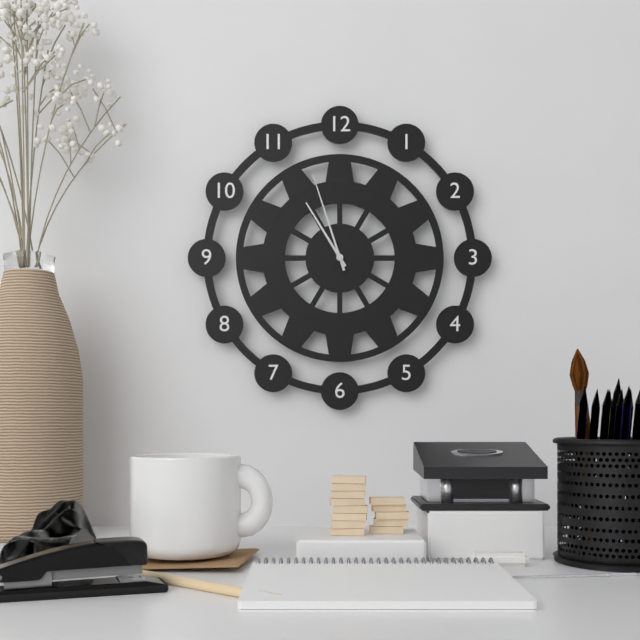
10:57
